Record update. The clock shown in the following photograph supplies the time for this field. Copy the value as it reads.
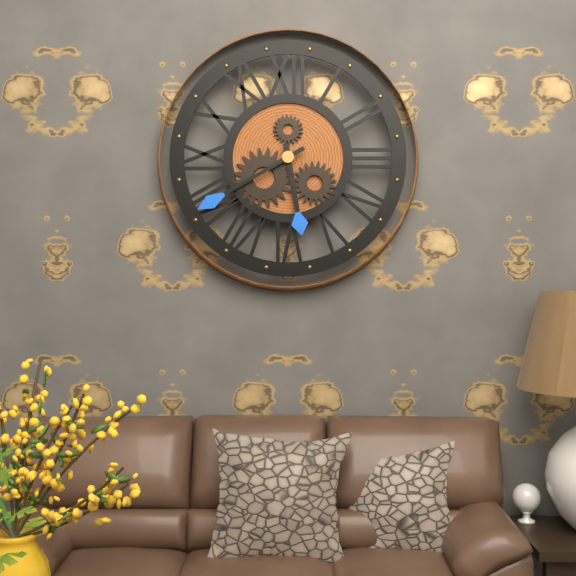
5:40
